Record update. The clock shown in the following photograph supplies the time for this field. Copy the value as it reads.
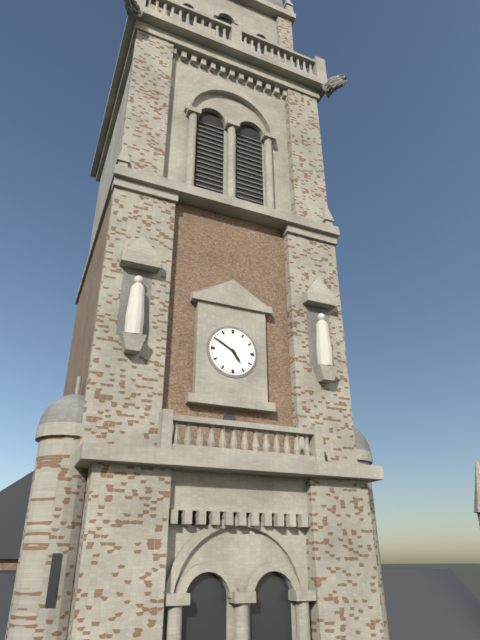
4:50
